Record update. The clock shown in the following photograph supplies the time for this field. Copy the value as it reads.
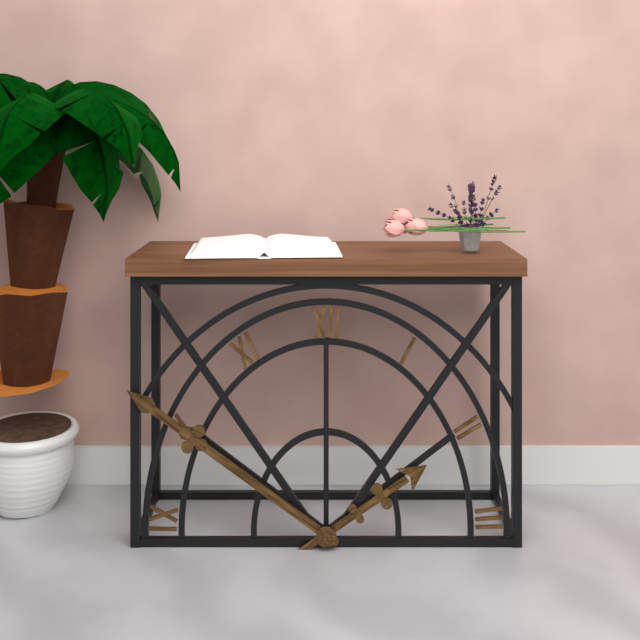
1:51
